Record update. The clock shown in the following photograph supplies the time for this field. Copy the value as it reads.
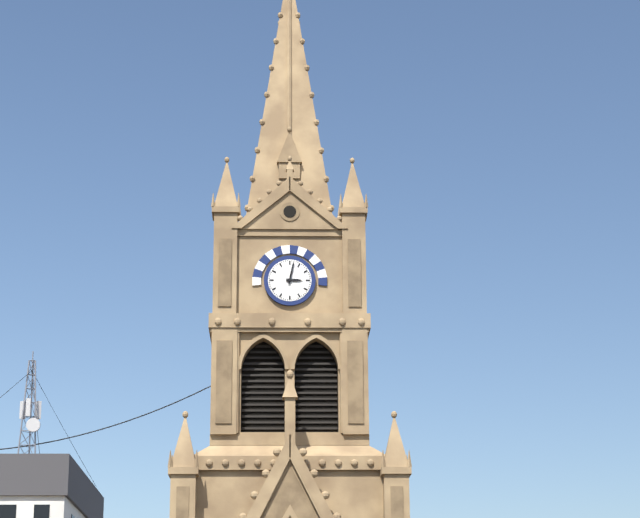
3:02
